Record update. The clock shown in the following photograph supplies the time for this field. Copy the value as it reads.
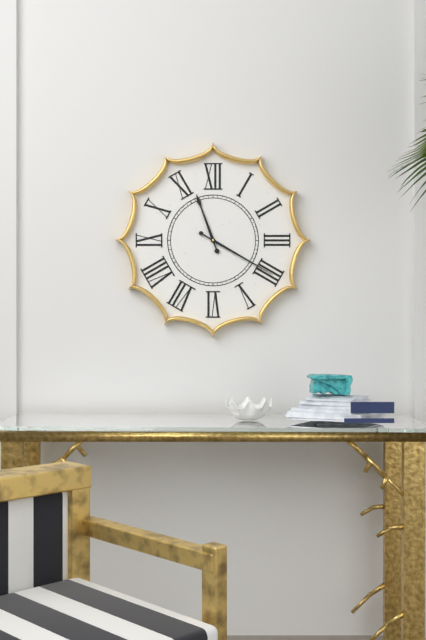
11:20
